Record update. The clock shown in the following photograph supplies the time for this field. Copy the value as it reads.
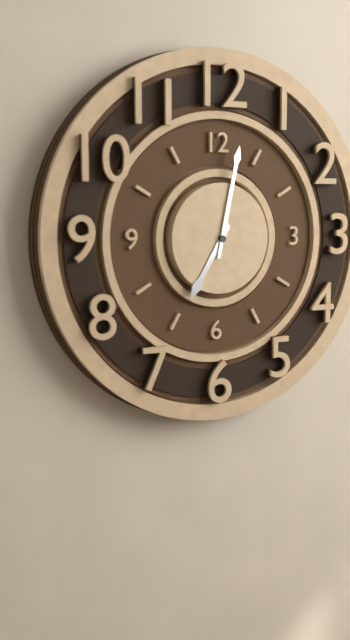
7:02
